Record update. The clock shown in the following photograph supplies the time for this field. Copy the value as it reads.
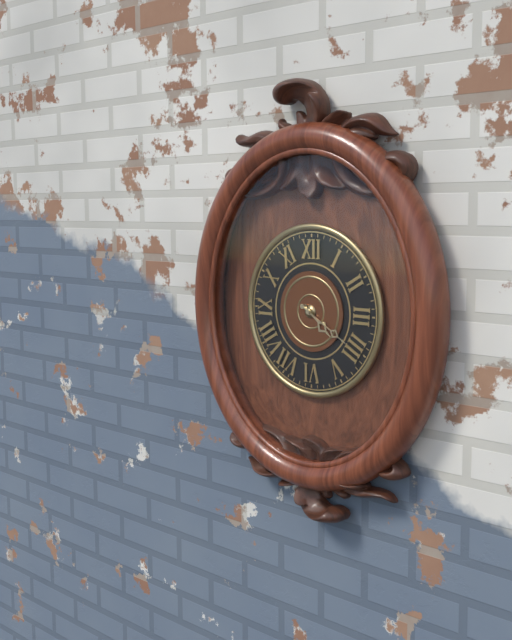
4:20
